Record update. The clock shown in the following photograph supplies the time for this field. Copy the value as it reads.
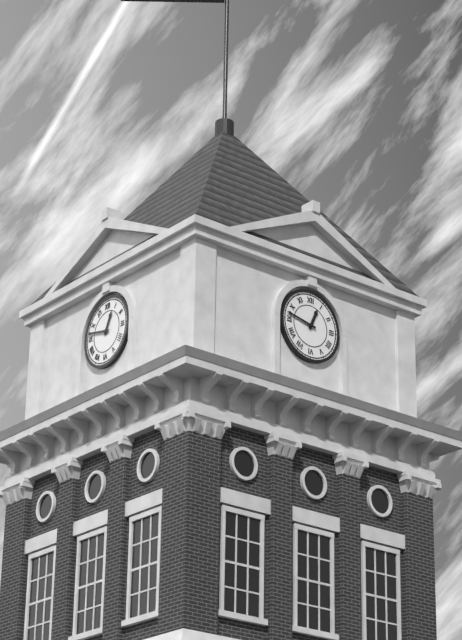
12:47
